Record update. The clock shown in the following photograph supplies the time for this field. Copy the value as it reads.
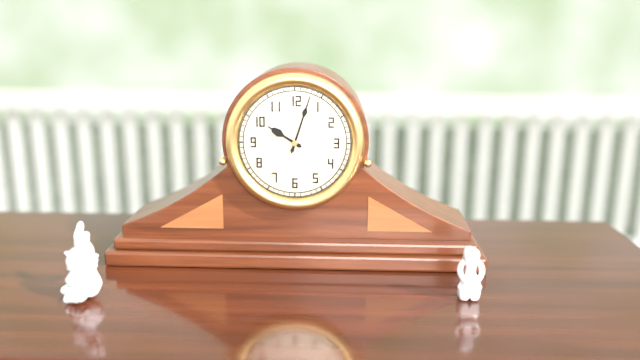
10:03
